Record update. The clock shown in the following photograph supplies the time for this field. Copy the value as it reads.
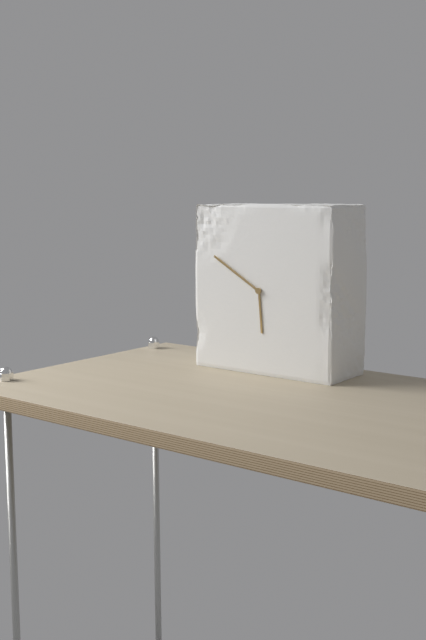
5:50
